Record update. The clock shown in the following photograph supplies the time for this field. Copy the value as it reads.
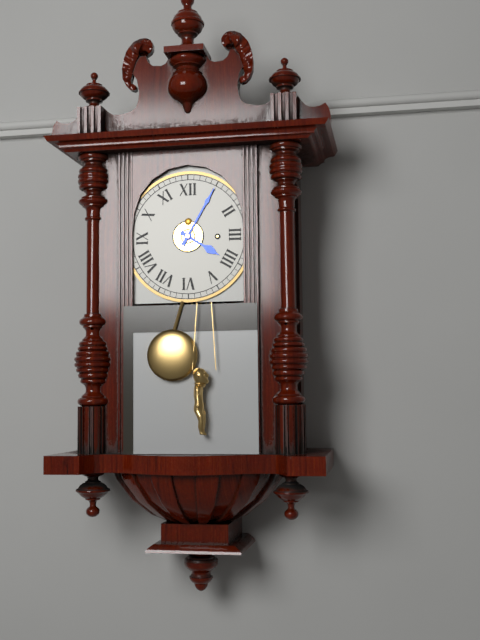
4:05
